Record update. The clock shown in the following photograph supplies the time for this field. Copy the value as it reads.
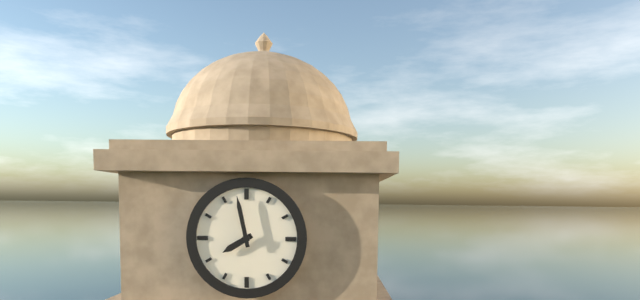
7:58
